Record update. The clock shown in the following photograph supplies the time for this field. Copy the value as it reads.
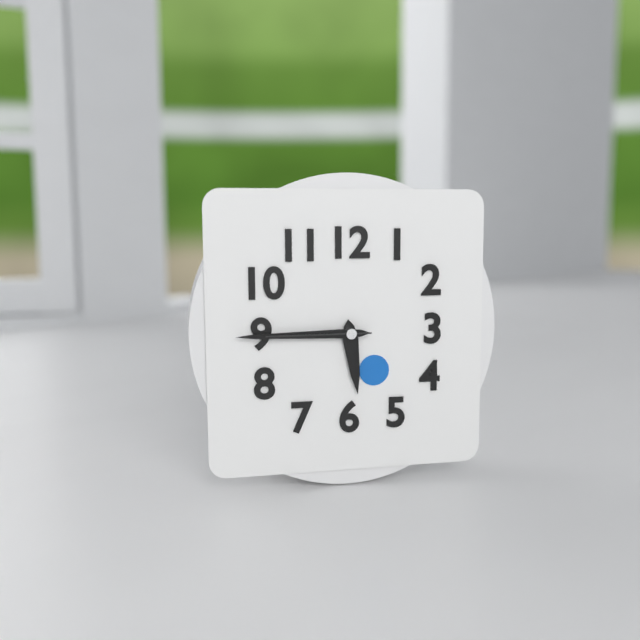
5:45:45
